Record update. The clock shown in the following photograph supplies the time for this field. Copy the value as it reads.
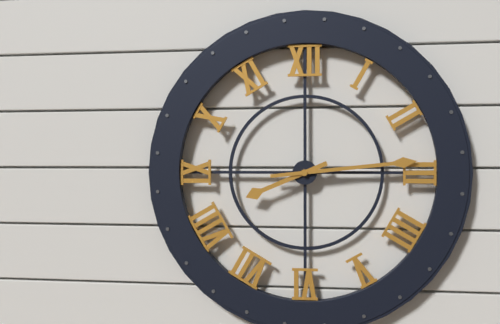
8:14
